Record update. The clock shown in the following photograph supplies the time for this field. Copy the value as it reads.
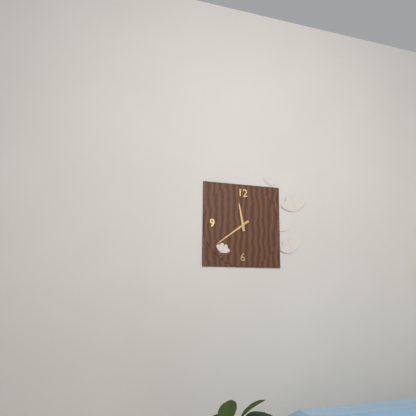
11:39
